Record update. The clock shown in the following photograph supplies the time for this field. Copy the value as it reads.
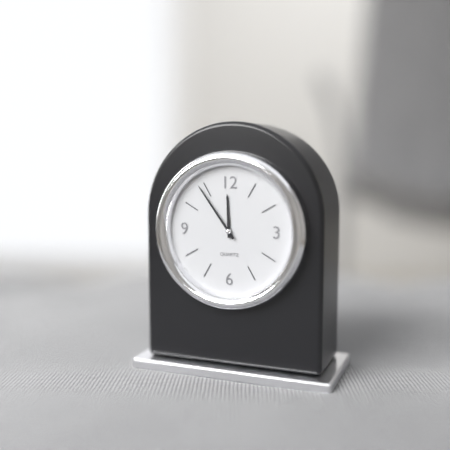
11:54
